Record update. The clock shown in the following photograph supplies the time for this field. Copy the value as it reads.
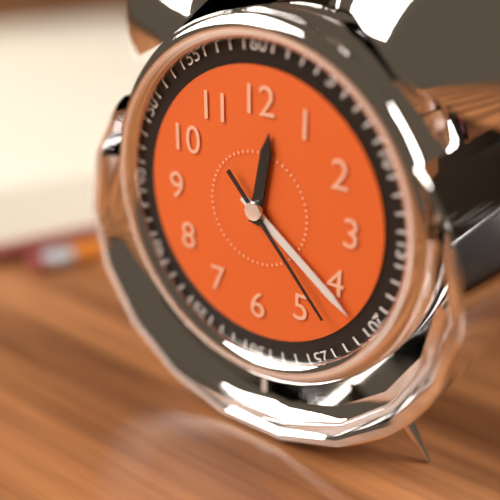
12:21:23
